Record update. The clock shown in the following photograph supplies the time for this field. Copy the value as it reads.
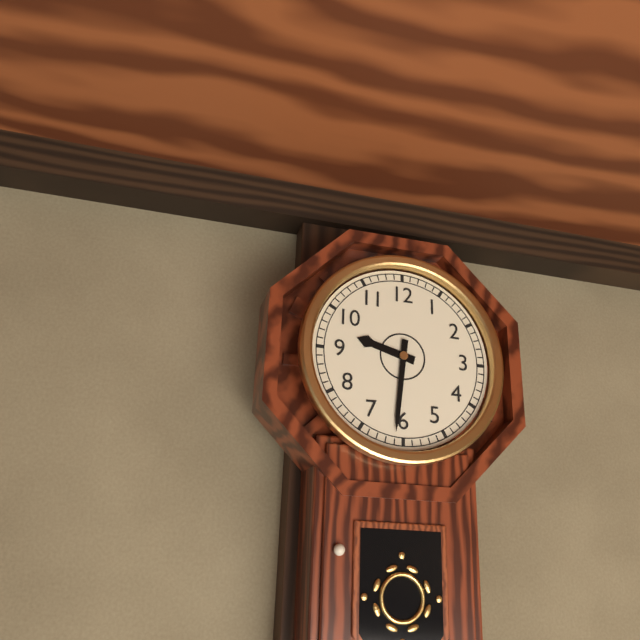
9:31
